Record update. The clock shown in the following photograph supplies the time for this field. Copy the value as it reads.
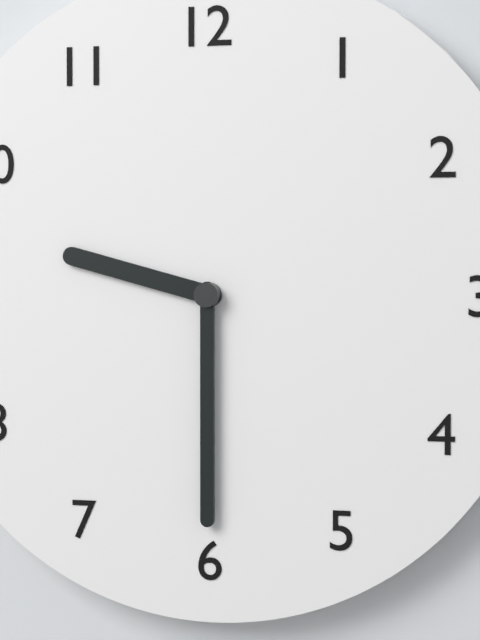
9:30
